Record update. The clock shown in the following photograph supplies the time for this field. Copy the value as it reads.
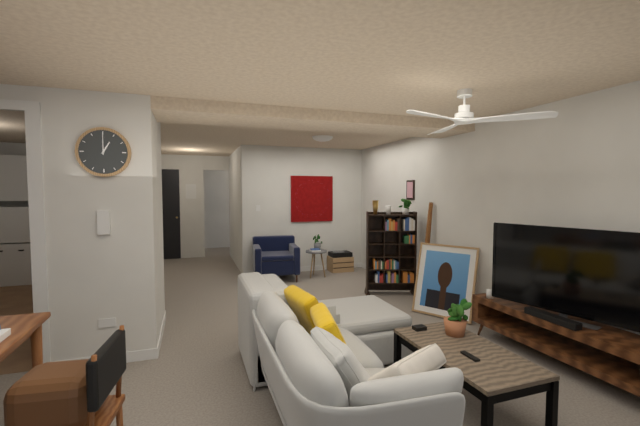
1:00
